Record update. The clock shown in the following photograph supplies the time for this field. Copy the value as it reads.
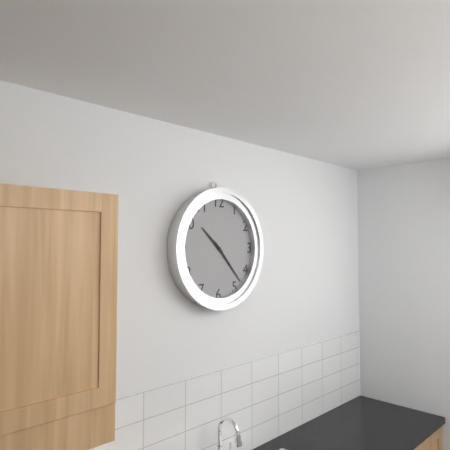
10:23
